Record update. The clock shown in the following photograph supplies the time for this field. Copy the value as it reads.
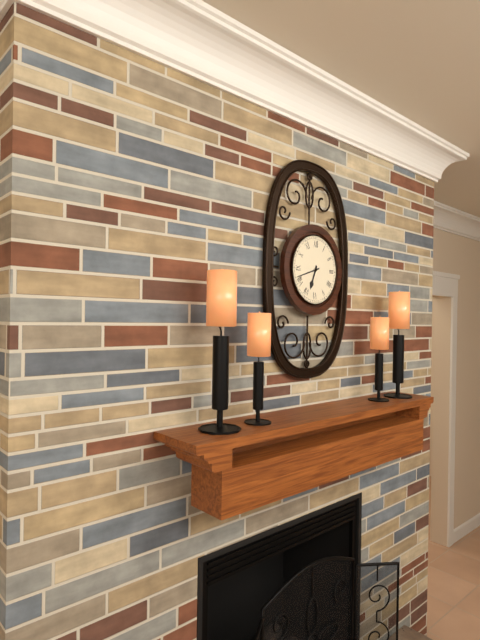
6:42
